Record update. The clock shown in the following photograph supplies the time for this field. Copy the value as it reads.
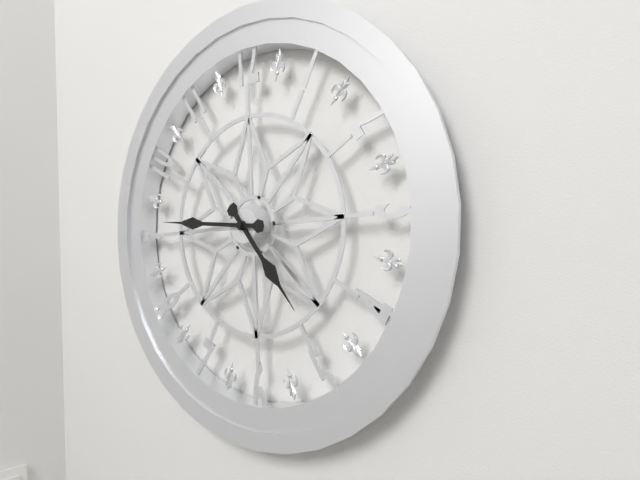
4:46
